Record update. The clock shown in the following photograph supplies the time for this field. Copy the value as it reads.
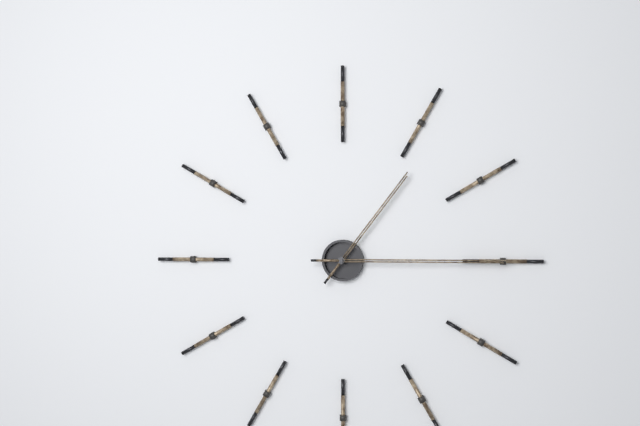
1:15
